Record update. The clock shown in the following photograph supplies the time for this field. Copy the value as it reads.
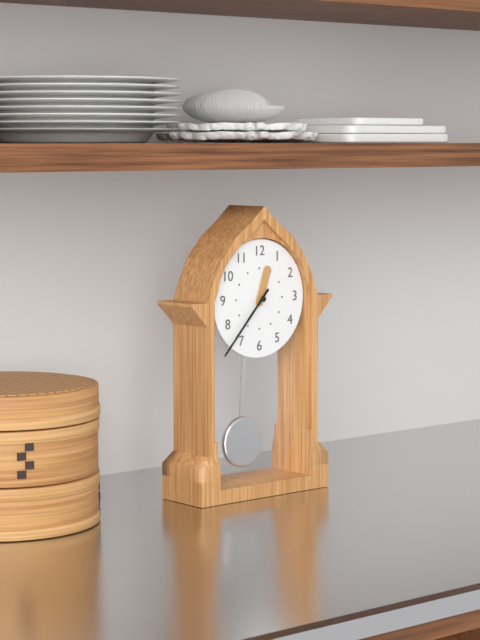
12:37
